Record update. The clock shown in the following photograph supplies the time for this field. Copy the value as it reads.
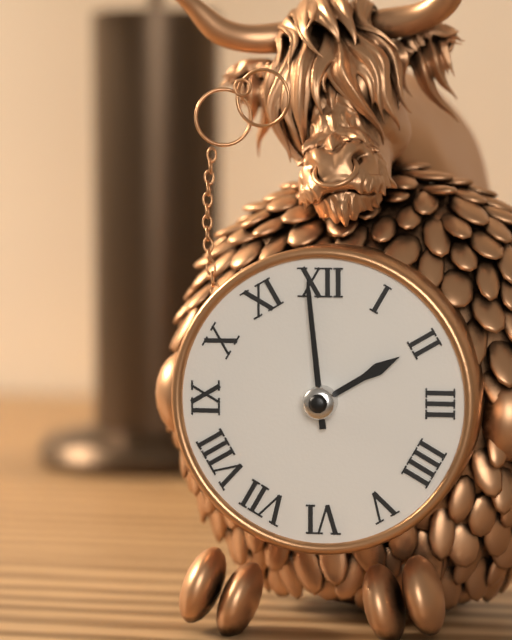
1:59
